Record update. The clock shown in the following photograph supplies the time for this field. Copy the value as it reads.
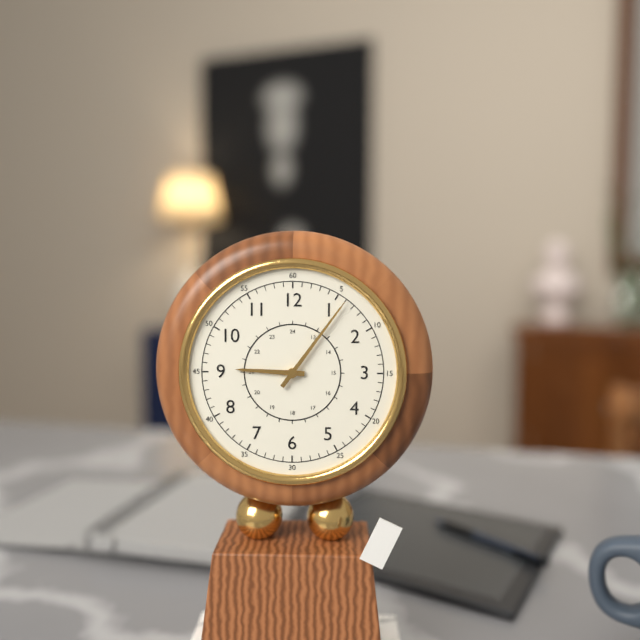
9:06
